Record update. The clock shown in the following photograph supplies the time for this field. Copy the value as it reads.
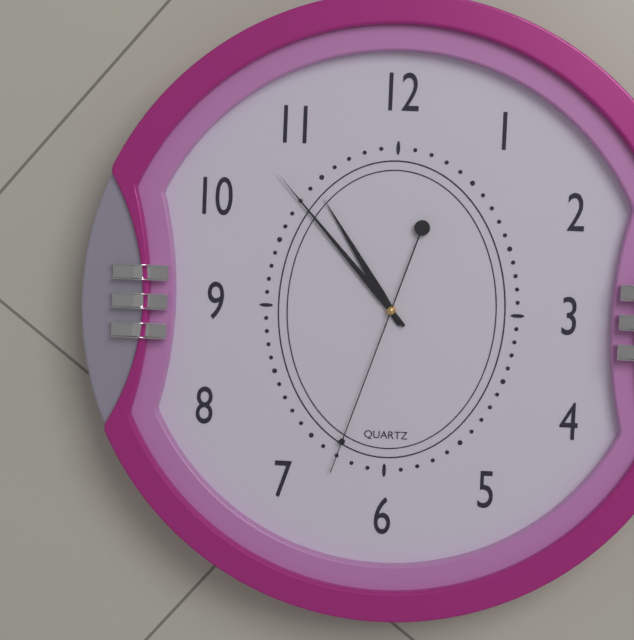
10:53:33
